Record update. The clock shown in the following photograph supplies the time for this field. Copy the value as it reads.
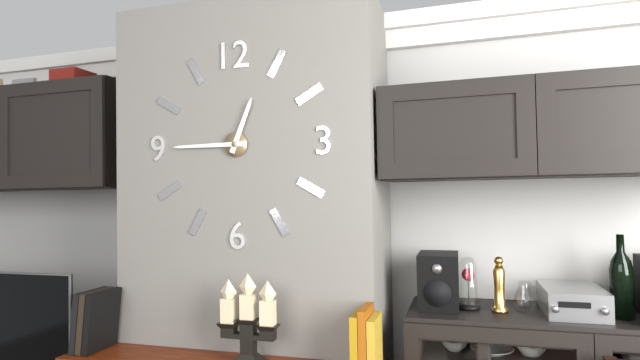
12:45
